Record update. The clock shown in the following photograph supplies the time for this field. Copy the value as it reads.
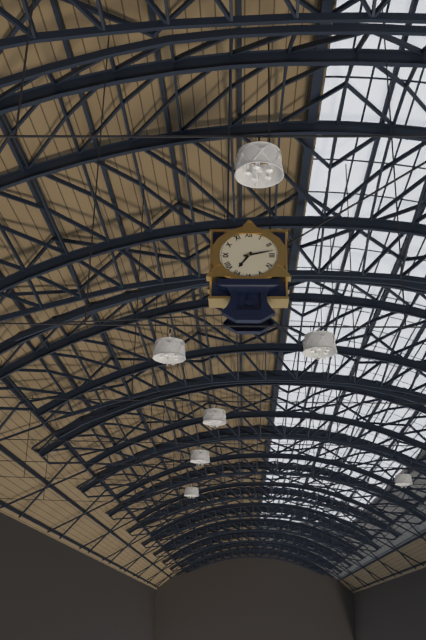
7:13
